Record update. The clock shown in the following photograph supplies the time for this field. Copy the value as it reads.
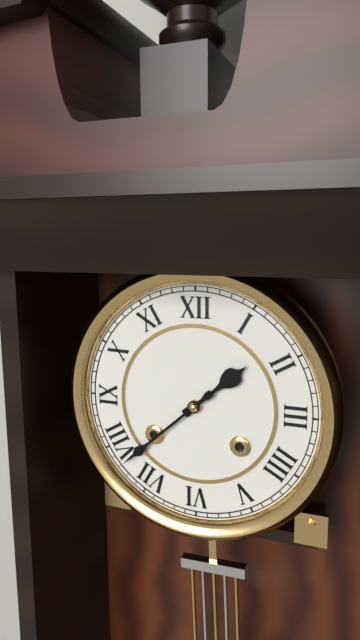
1:38
